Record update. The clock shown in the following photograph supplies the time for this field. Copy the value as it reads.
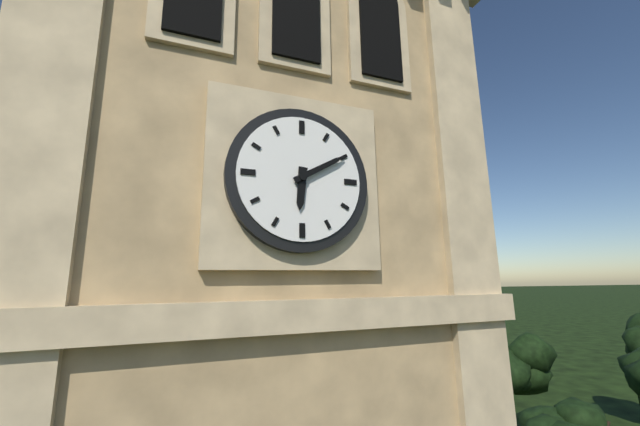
6:10
